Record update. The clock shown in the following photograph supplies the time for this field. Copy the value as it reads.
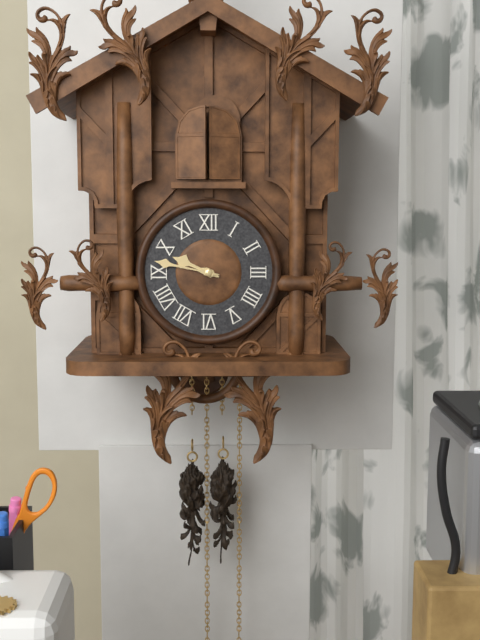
9:47
